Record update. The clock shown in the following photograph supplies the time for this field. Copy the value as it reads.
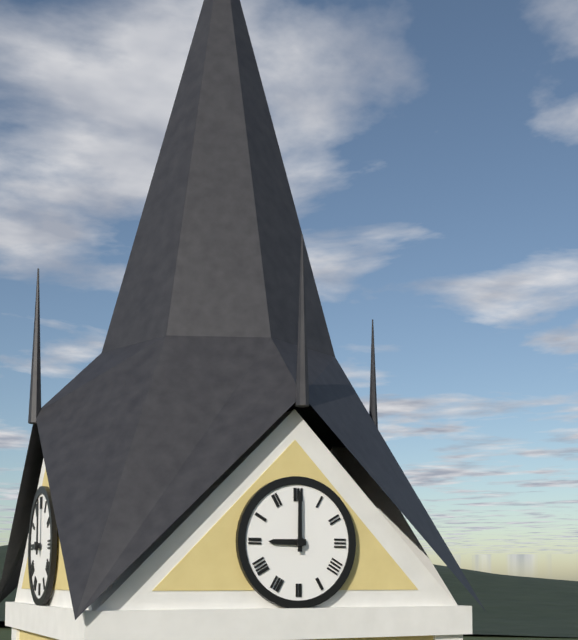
9:00
